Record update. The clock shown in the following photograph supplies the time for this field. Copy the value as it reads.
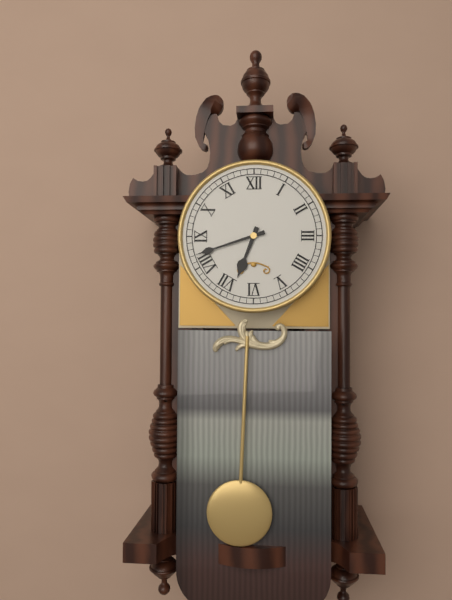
6:42
